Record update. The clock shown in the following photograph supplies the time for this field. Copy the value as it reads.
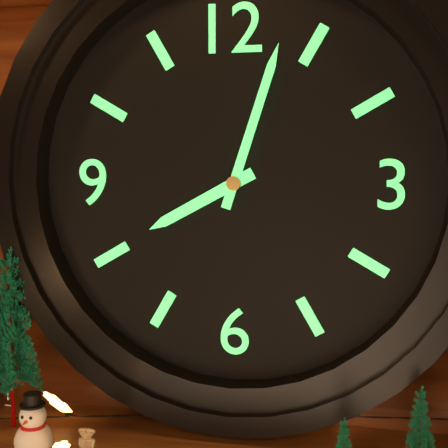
8:03
